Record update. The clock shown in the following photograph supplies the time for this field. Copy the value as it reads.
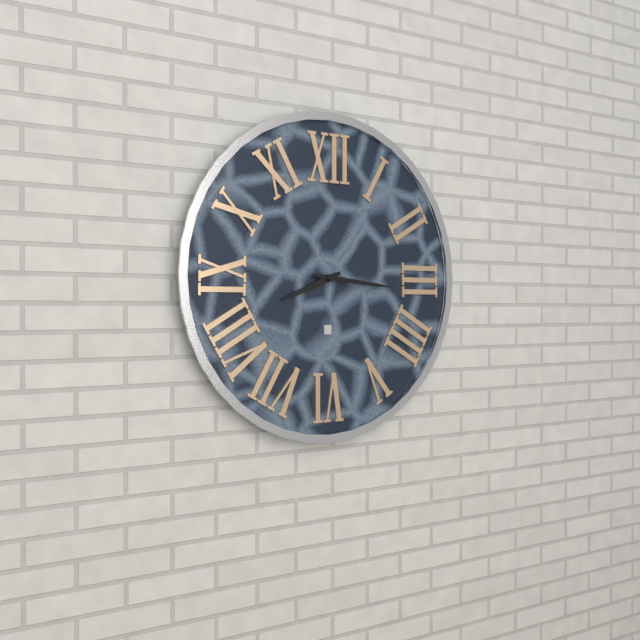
8:16
